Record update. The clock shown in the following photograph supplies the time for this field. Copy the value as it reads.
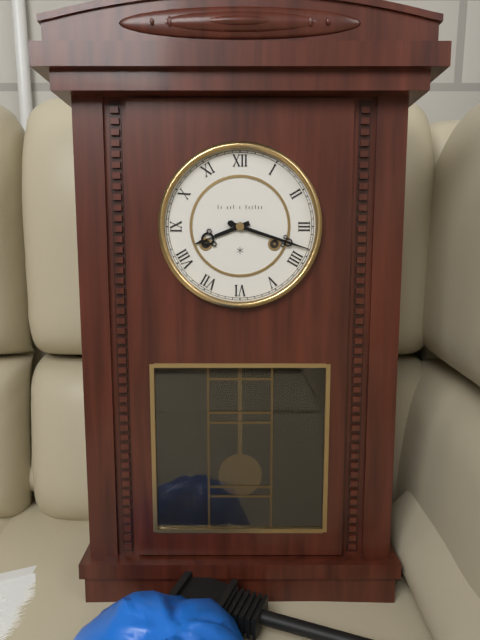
8:18
